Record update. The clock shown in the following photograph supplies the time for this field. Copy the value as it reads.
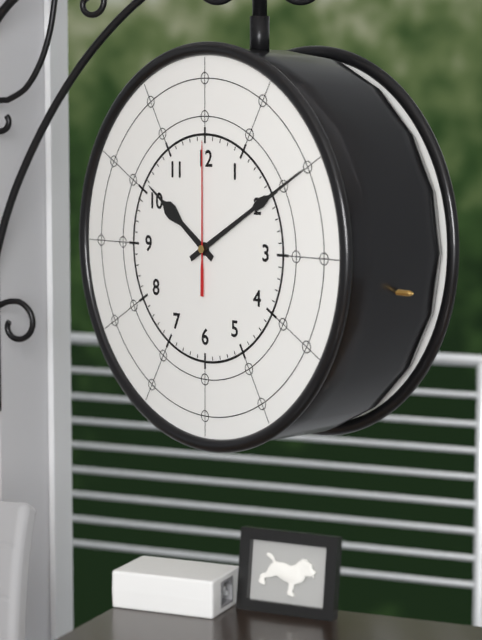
10:10:00
